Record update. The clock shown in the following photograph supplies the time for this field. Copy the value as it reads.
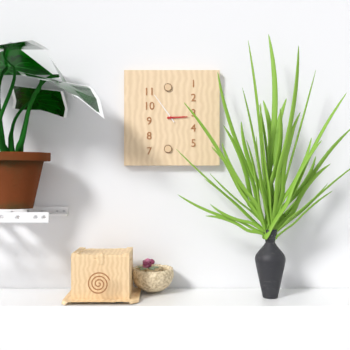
2:54
